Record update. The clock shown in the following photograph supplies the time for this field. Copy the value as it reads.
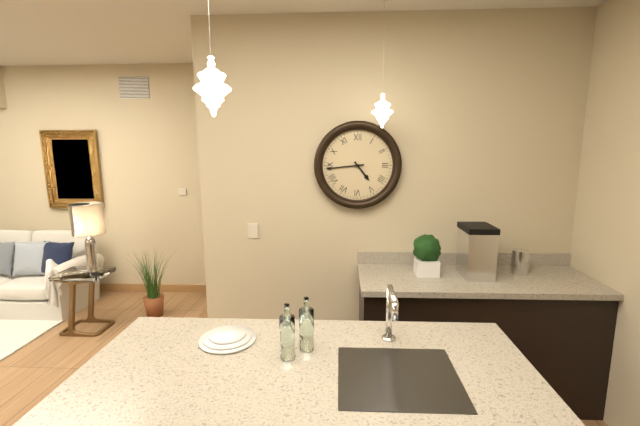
4:44
